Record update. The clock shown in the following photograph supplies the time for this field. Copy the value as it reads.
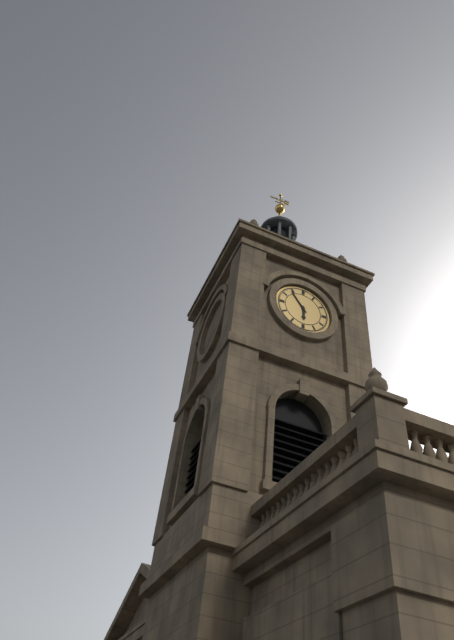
5:54
